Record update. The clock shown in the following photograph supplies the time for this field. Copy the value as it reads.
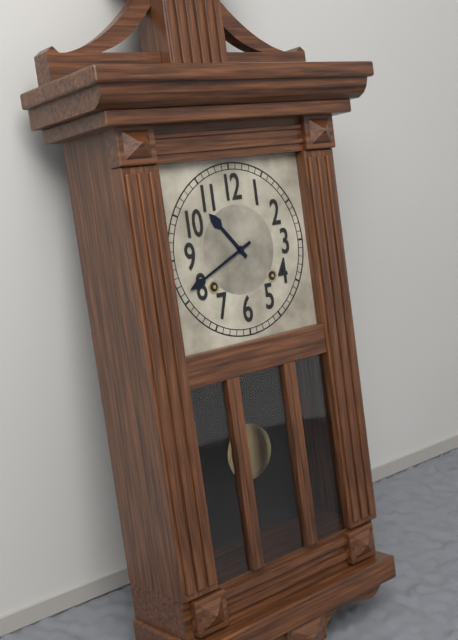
10:41
